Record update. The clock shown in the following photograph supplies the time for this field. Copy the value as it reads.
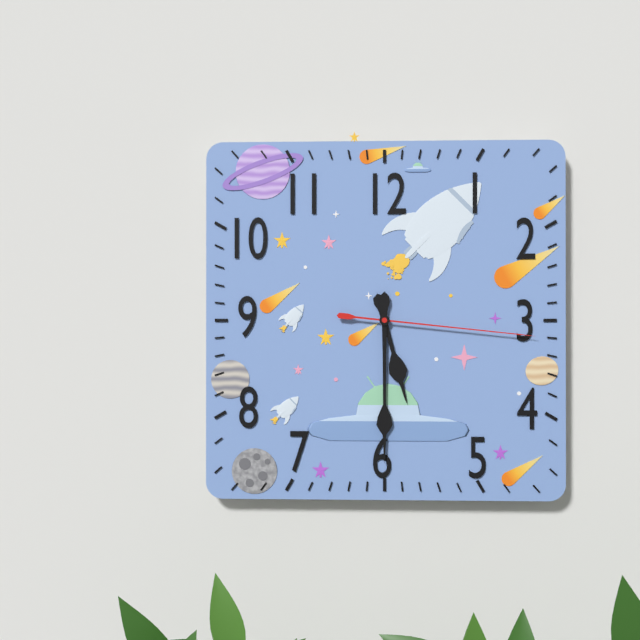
5:30:16
